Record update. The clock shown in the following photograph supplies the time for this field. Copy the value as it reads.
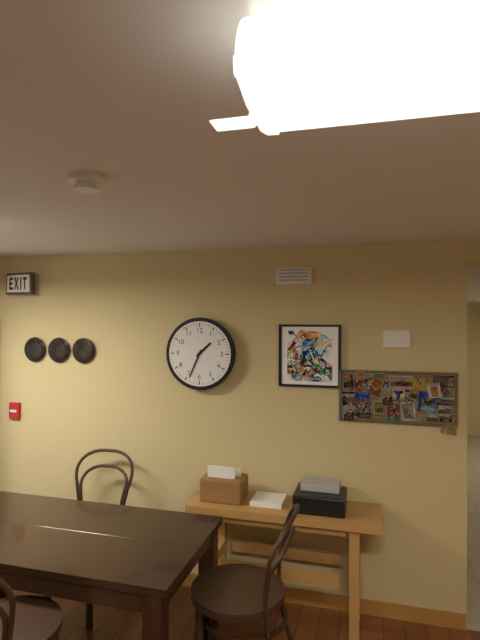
1:34
